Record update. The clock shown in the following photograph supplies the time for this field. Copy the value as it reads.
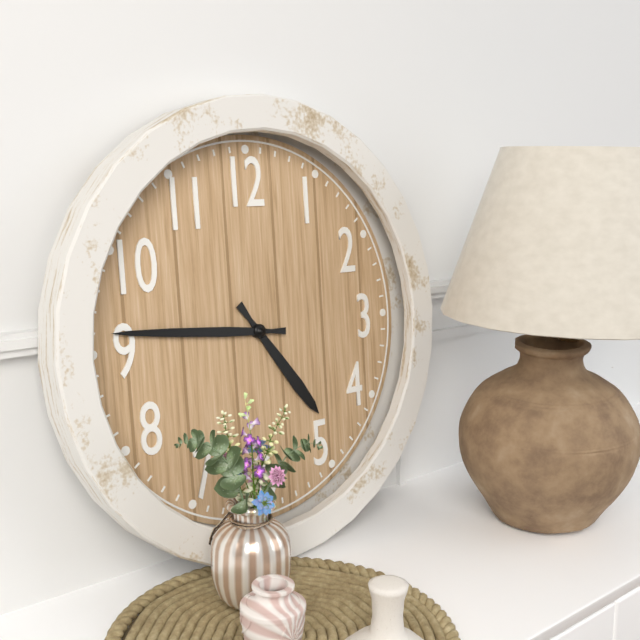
4:46
